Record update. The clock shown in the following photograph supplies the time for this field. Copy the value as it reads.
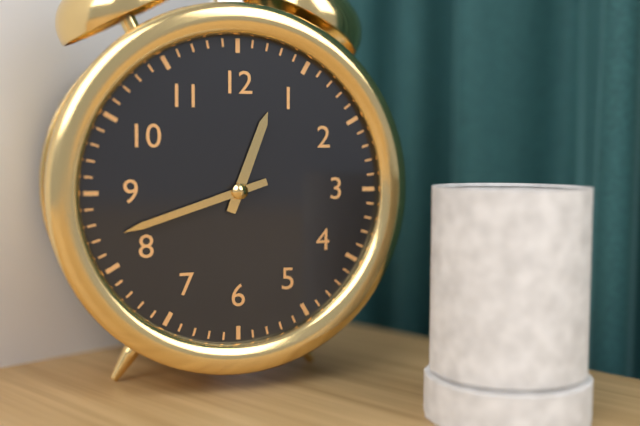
12:42
